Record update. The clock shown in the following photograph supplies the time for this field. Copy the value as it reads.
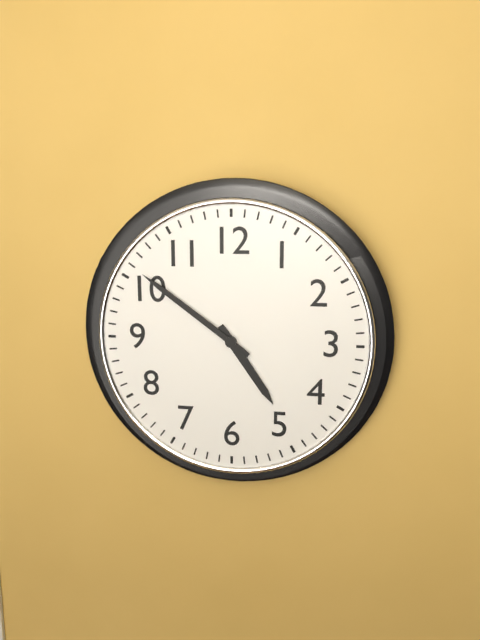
4:51
